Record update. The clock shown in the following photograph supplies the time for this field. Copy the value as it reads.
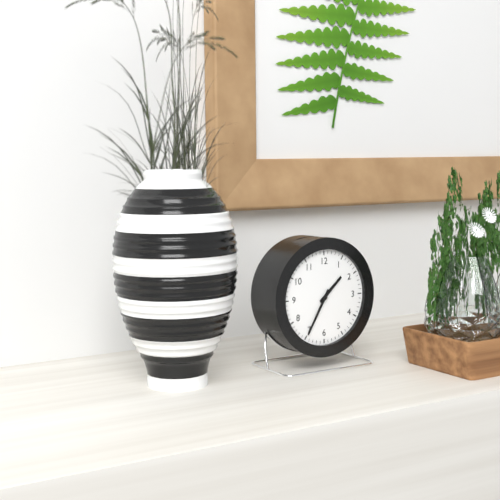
1:35
